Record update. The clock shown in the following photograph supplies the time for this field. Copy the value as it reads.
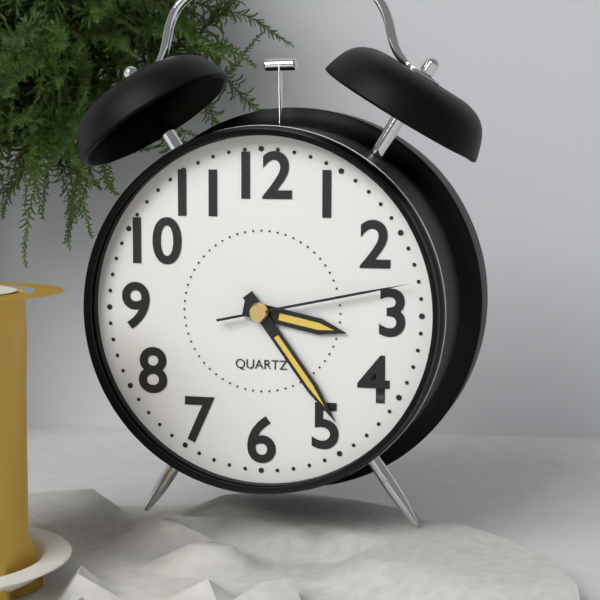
3:24:13
